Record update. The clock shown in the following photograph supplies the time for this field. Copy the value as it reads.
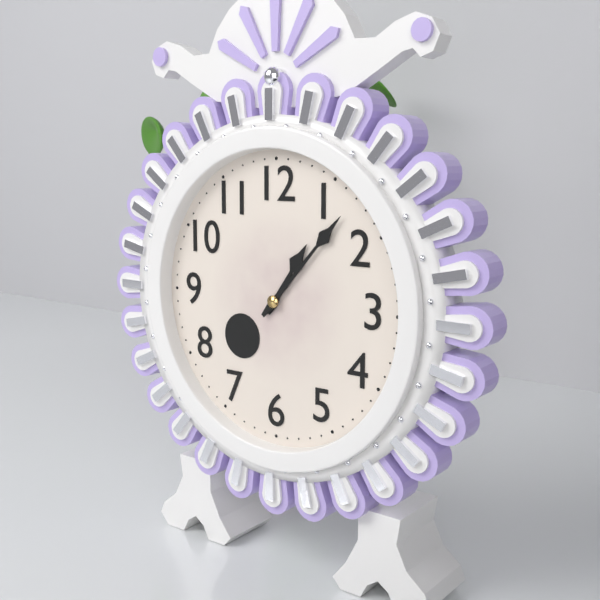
1:07
